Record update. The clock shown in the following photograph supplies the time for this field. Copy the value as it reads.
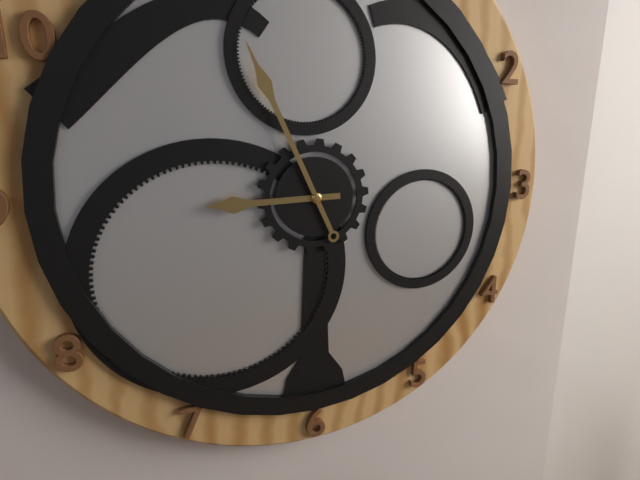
8:56
